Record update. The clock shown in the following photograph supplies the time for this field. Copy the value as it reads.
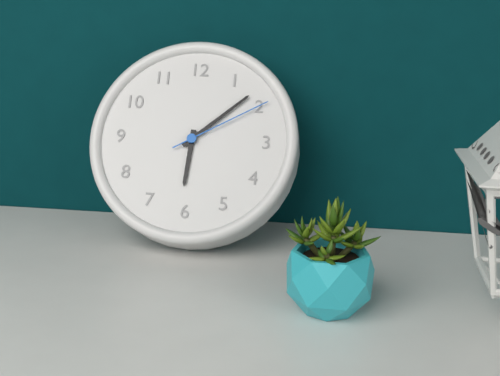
6:08:10
